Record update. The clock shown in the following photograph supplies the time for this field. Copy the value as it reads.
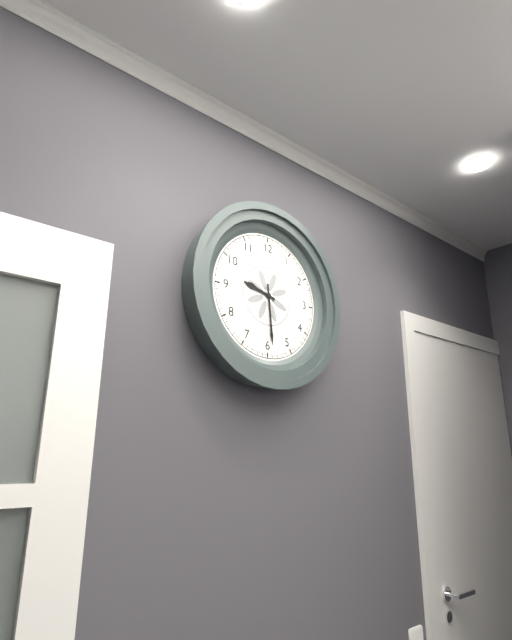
9:29
